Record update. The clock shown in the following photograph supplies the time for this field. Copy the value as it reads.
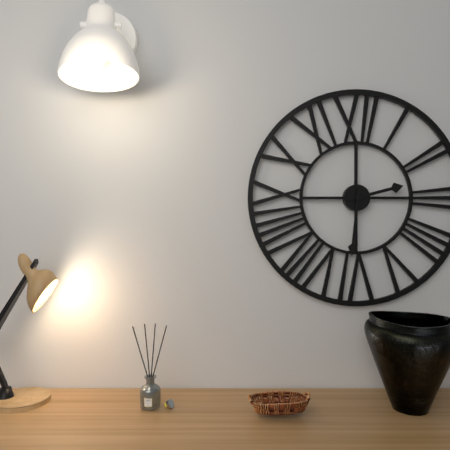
2:31
